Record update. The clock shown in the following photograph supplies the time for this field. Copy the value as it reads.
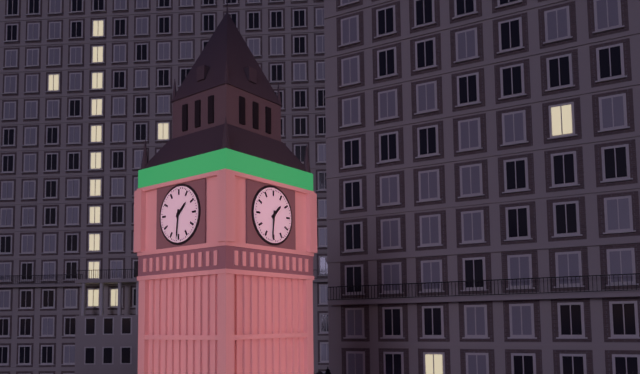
1:31
